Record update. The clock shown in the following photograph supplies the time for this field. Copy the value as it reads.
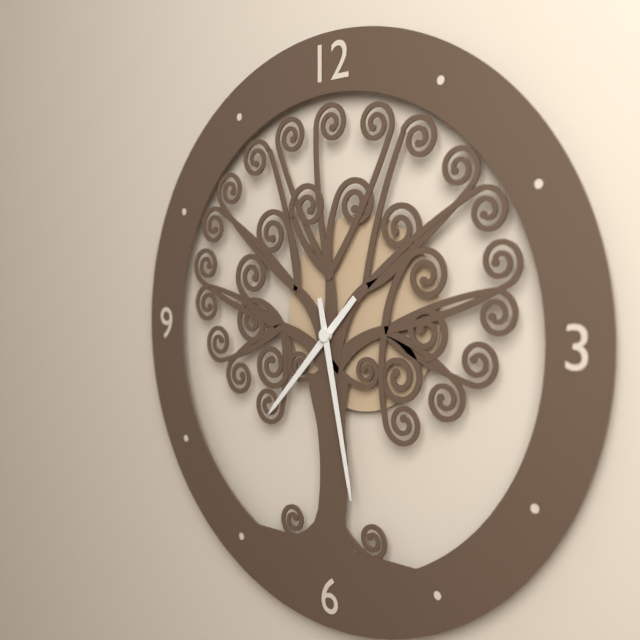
7:28
